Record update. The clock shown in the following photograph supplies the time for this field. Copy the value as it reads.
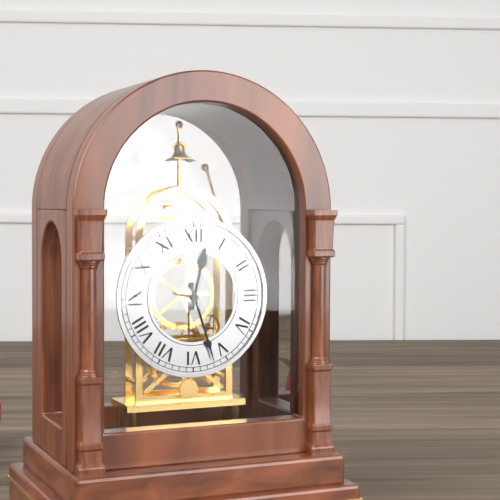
12:27
